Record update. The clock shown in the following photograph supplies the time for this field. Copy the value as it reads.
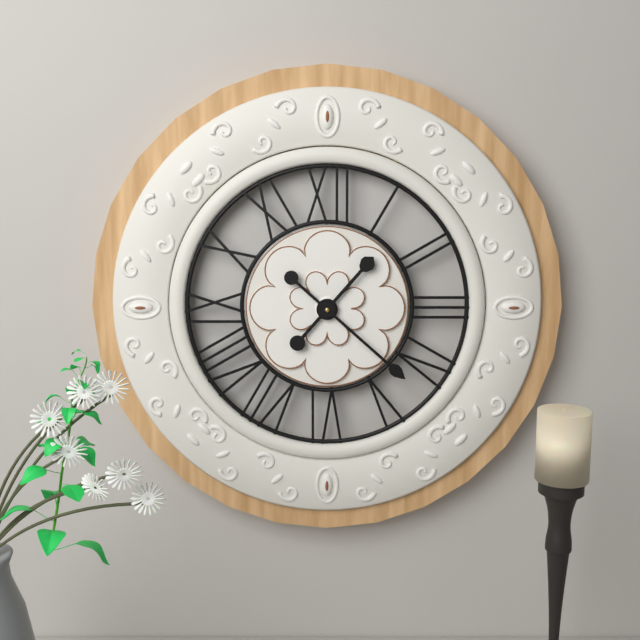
1:22
